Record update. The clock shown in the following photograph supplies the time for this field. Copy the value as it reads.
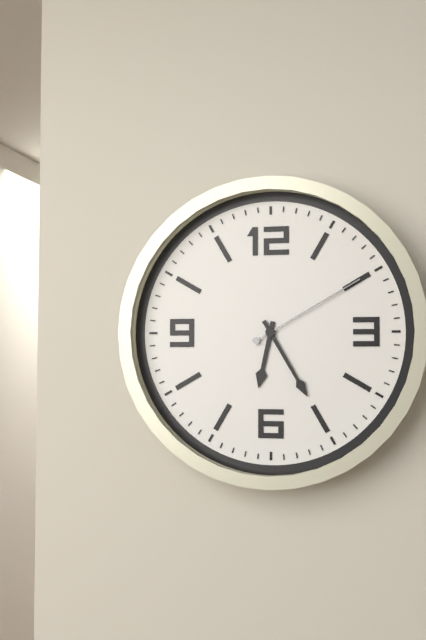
6:25:10
